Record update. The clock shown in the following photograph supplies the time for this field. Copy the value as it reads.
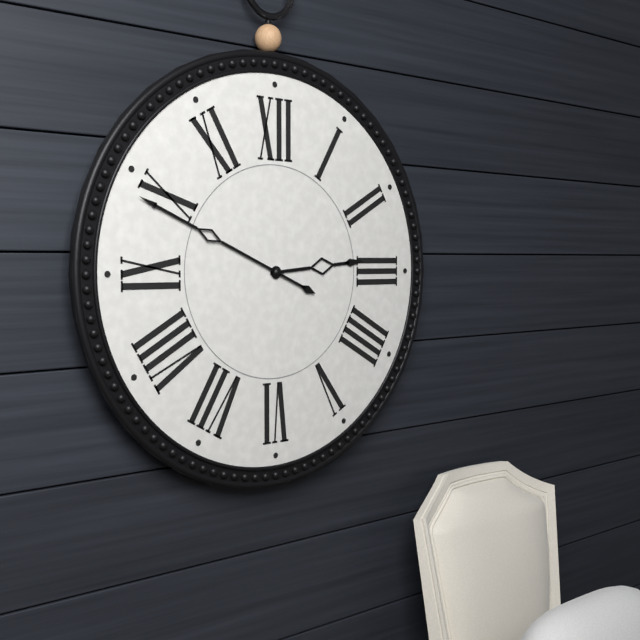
2:49
